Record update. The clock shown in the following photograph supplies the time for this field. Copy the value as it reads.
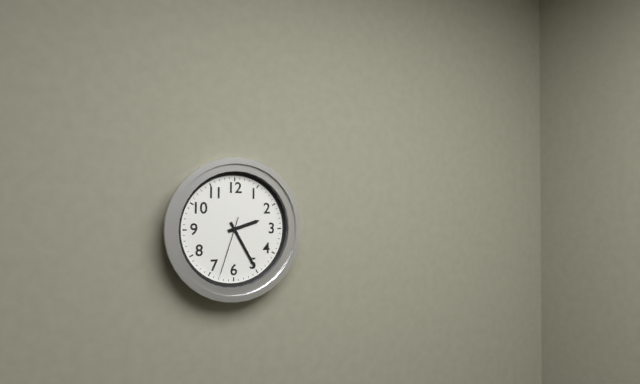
2:25:33
